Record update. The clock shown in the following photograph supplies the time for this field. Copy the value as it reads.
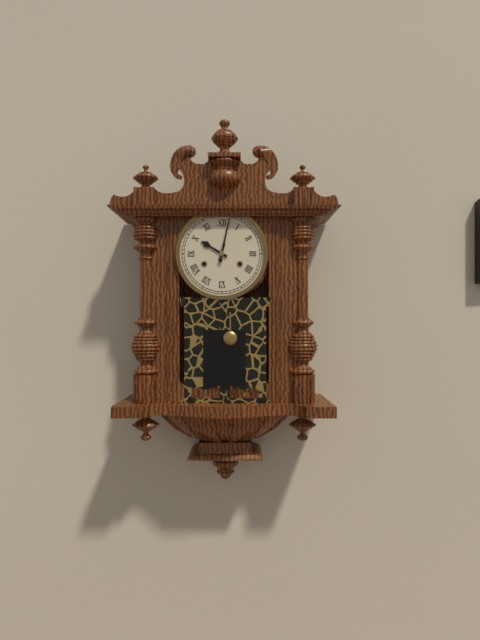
10:02
